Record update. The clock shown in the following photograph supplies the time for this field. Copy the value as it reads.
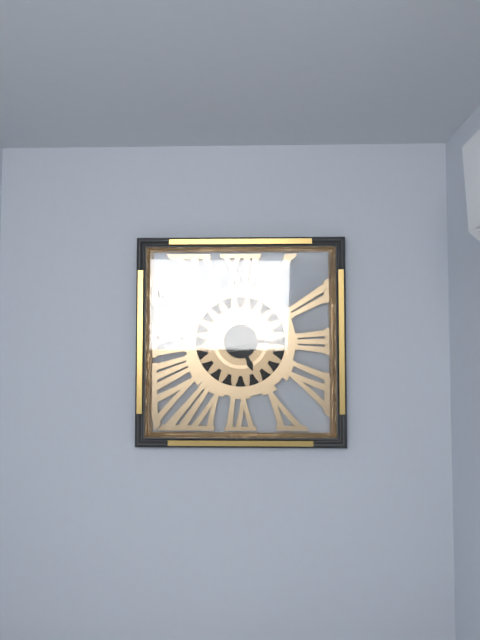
5:15
